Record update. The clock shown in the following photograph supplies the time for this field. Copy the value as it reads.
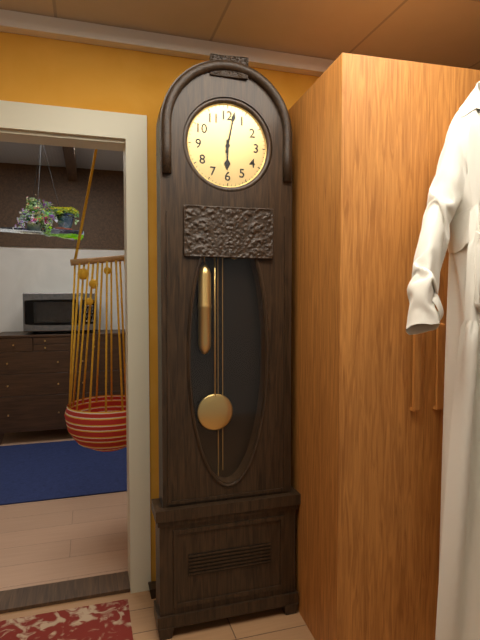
6:02
